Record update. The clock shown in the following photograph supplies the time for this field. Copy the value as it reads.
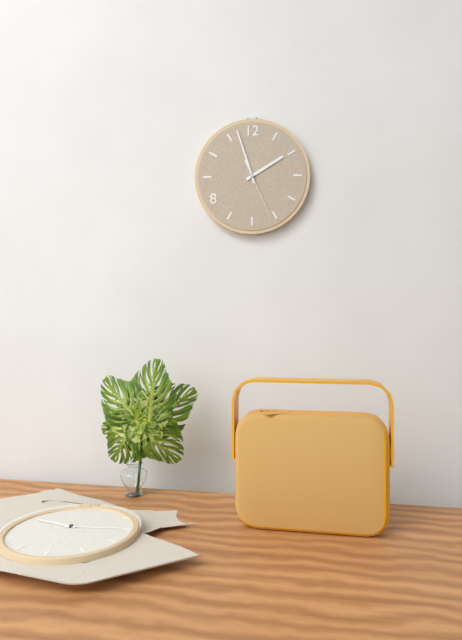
1:57:26
